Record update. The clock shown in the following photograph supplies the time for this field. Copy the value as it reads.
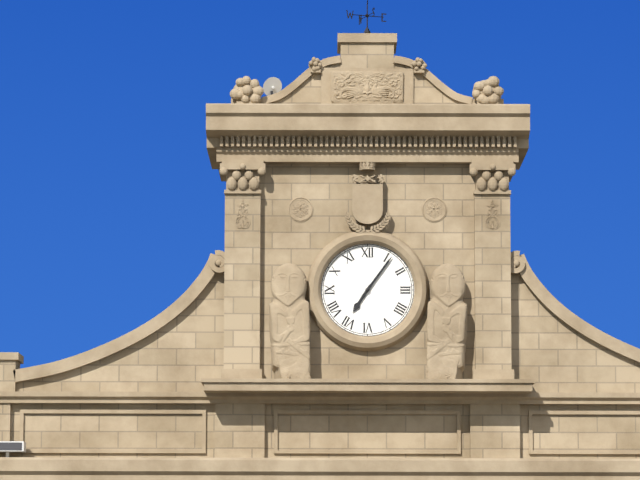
7:06
